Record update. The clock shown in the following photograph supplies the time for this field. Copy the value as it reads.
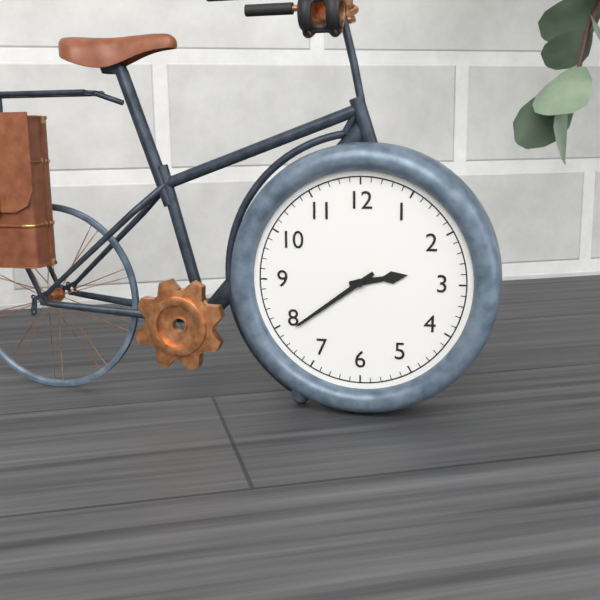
2:39
